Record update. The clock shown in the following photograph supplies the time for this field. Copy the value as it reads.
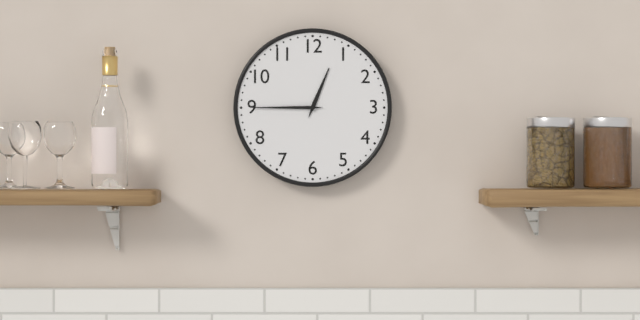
12:45
